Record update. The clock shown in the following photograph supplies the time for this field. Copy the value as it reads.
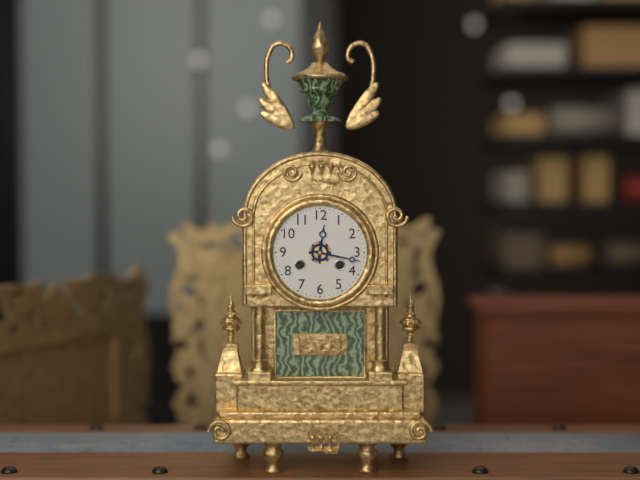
12:17
